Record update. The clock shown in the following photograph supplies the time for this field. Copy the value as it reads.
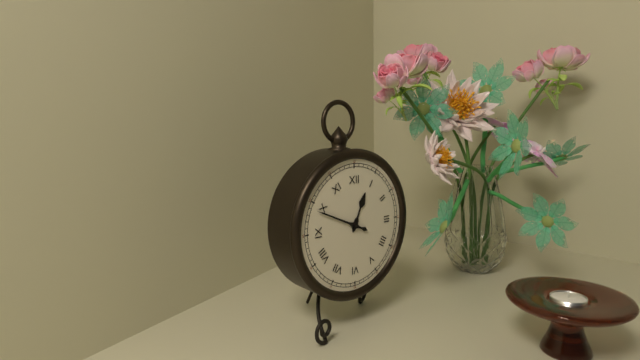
12:49
